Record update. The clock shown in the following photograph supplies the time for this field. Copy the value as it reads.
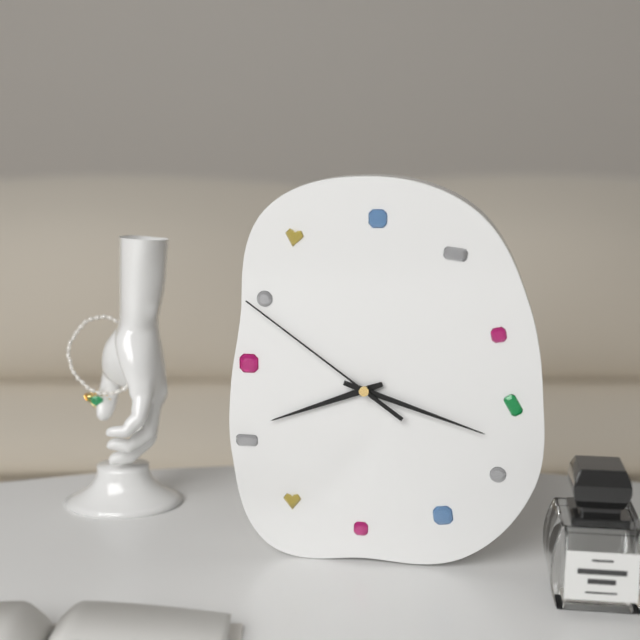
8:18:51
